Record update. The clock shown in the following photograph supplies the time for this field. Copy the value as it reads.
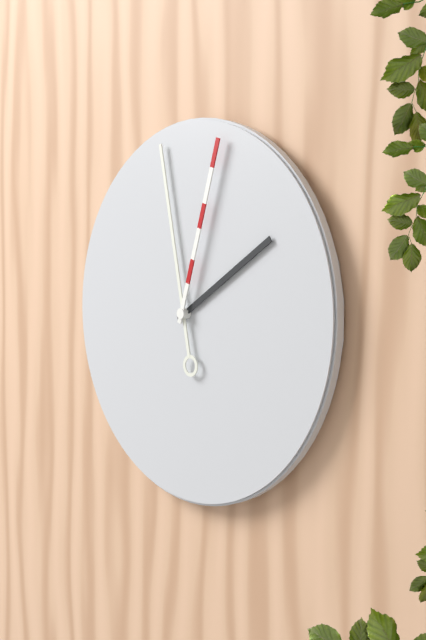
1:58:03
